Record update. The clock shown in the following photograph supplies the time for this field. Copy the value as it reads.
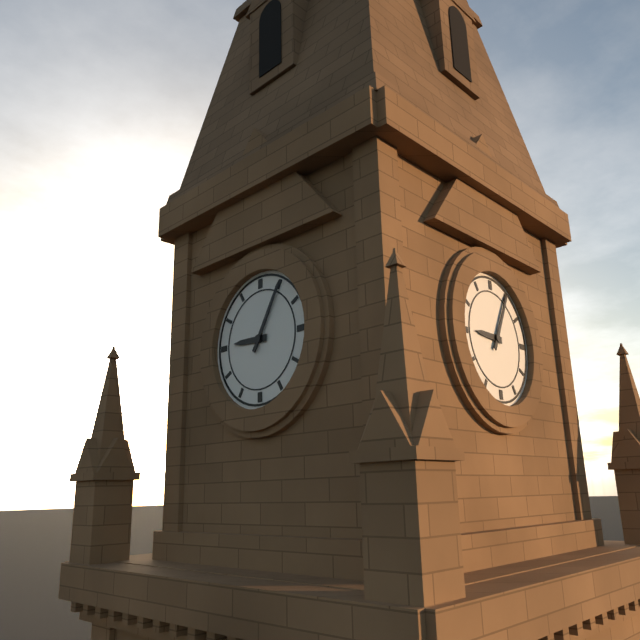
9:05
